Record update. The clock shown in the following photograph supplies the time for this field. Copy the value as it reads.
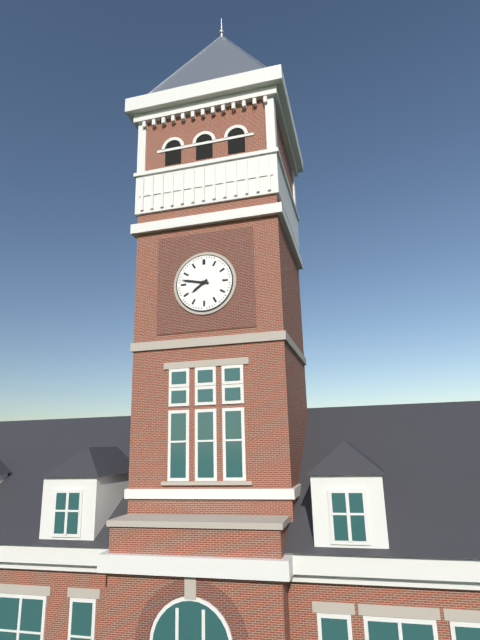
7:47
